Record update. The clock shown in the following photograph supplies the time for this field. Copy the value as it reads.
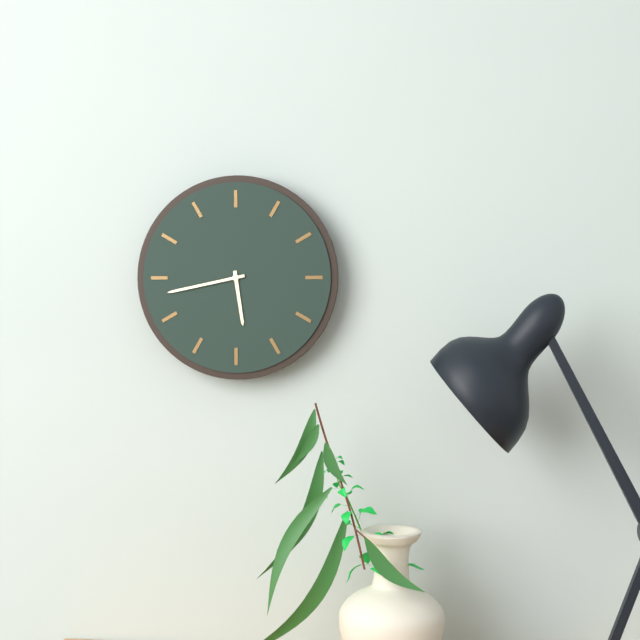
5:43
